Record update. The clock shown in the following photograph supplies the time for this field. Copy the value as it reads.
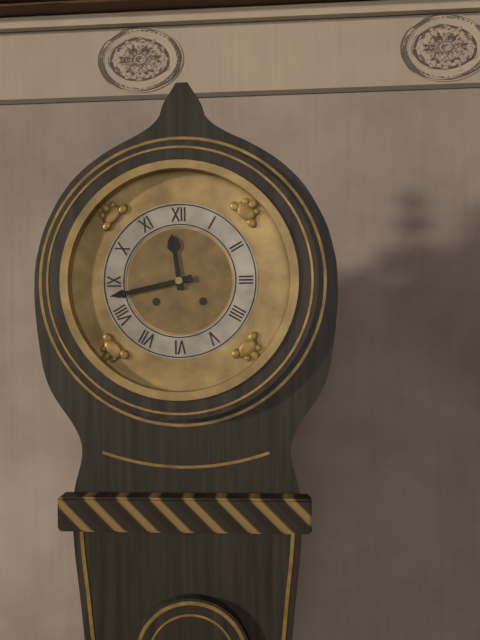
11:43
